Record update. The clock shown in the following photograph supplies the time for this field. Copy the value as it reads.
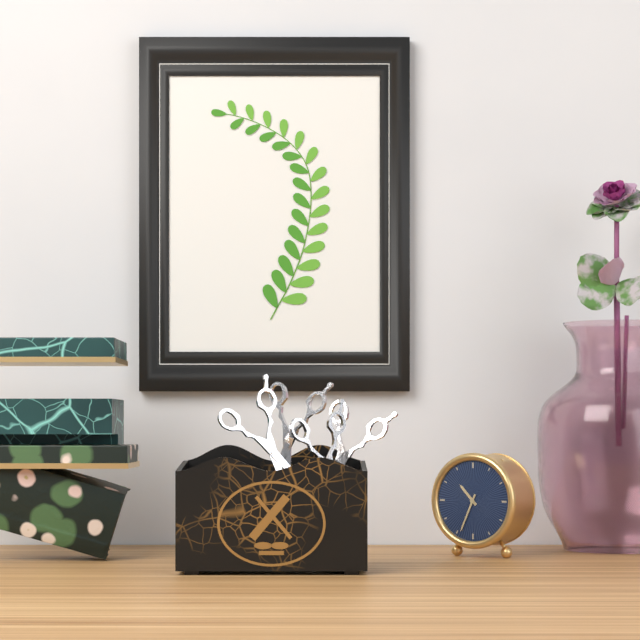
10:34
